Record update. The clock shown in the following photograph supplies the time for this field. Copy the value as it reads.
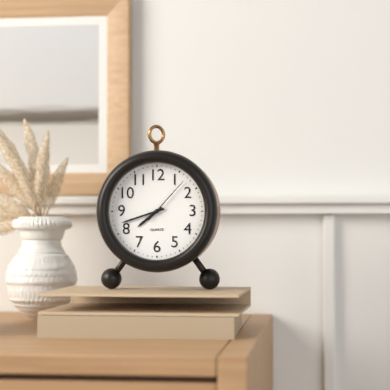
7:42
